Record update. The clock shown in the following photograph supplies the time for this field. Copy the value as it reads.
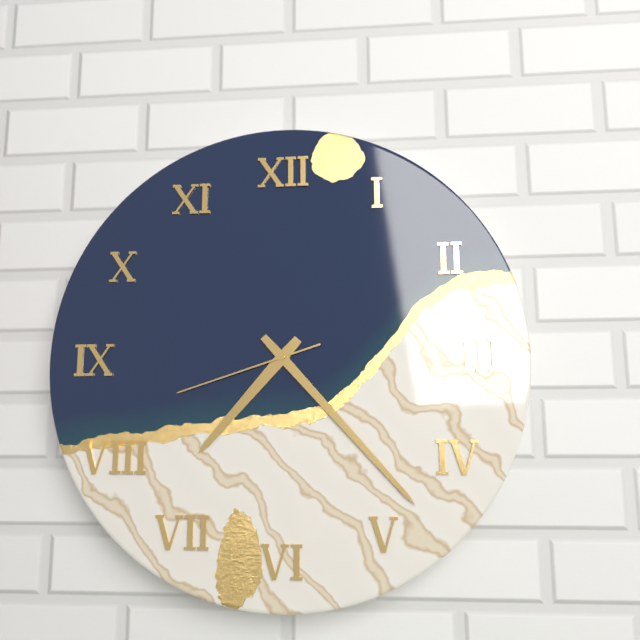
7:23:42
